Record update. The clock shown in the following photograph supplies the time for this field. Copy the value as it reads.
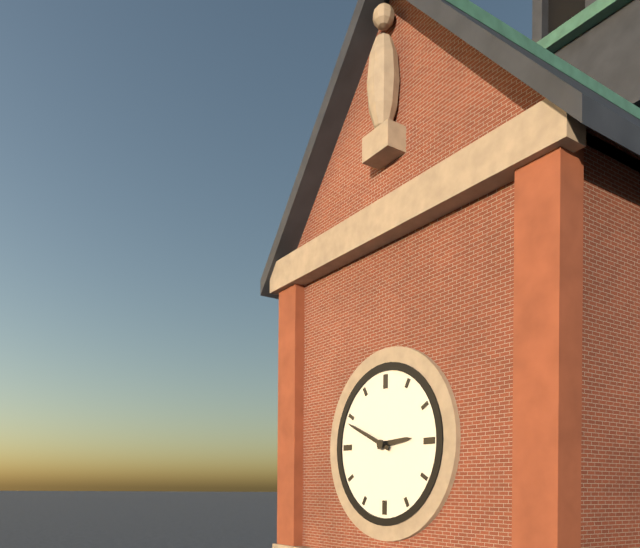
2:49
